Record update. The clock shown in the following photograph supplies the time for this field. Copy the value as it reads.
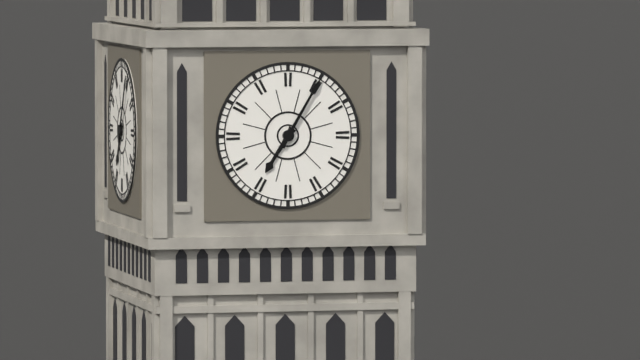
7:05
